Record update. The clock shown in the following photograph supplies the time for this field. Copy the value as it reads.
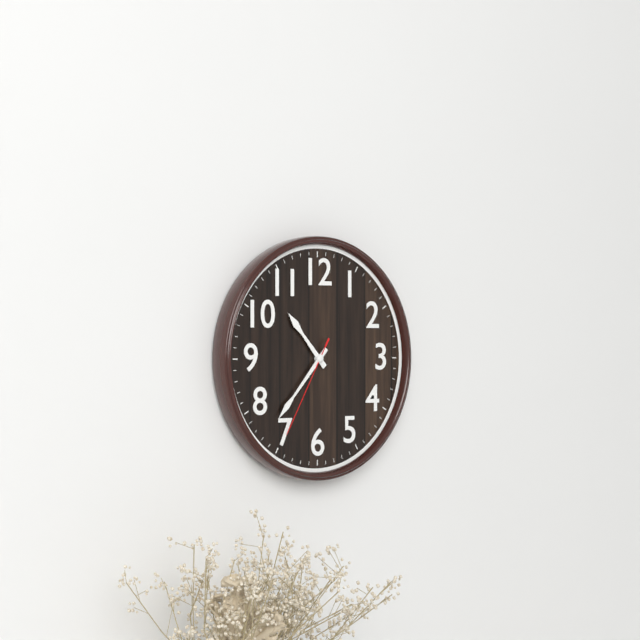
10:37:35
